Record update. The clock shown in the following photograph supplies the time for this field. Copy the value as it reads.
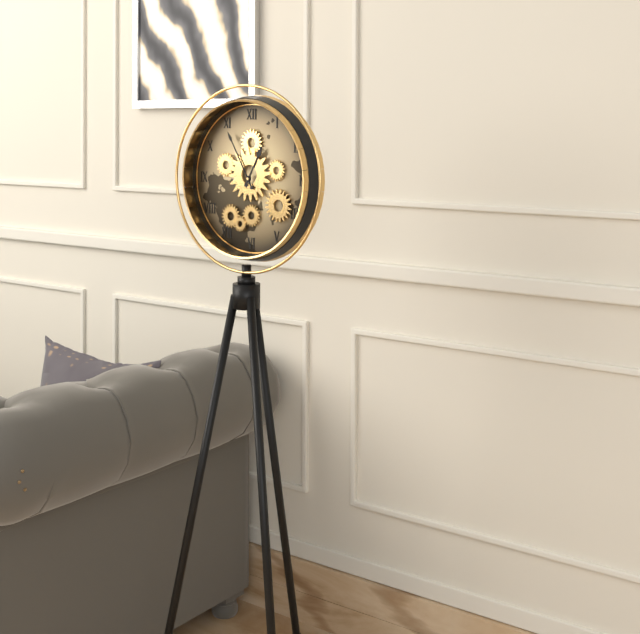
12:55
